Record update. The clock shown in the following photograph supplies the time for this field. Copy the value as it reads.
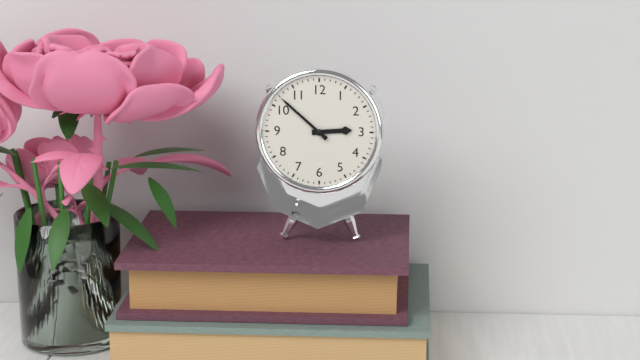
2:52
